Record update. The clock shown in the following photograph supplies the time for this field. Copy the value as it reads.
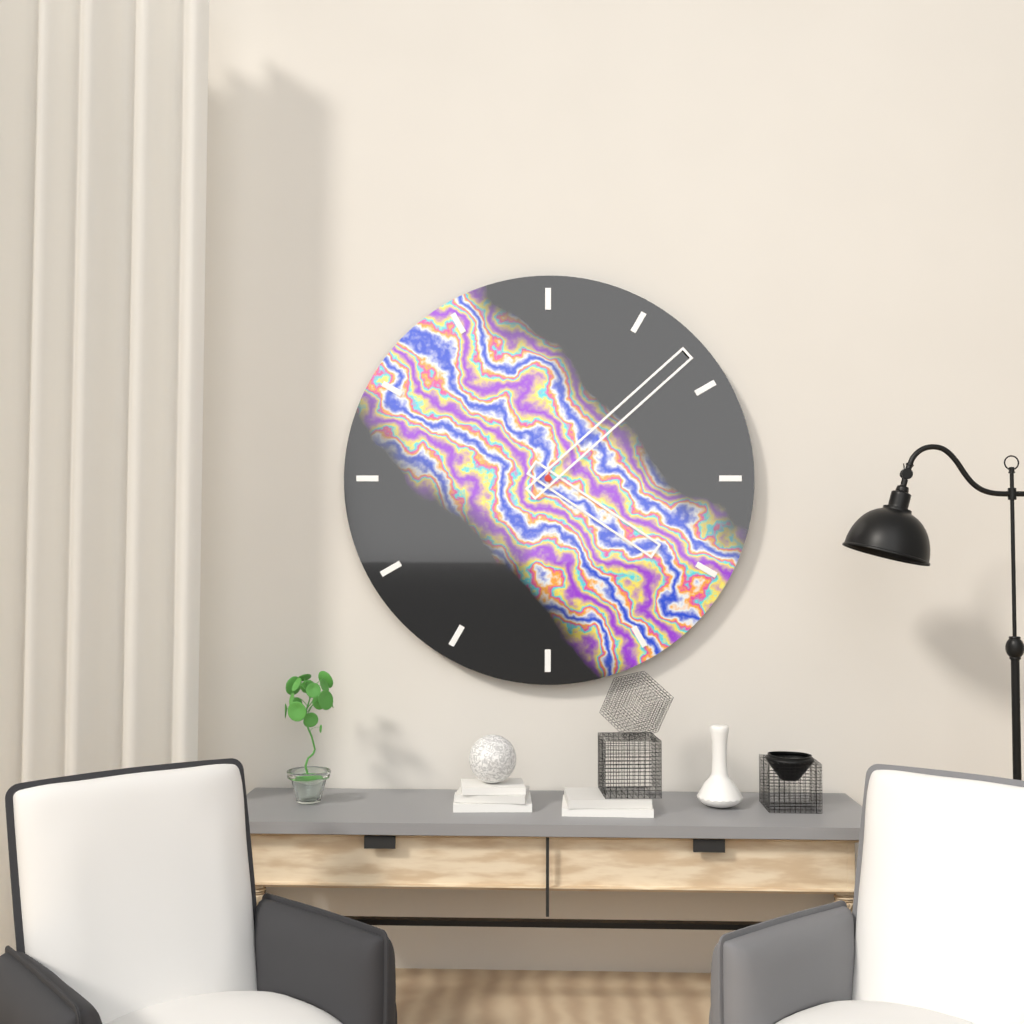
4:08
